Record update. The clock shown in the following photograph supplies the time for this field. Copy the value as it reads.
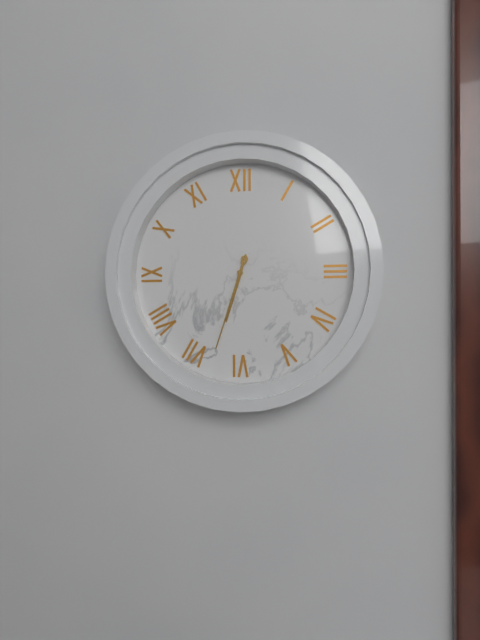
6:33
